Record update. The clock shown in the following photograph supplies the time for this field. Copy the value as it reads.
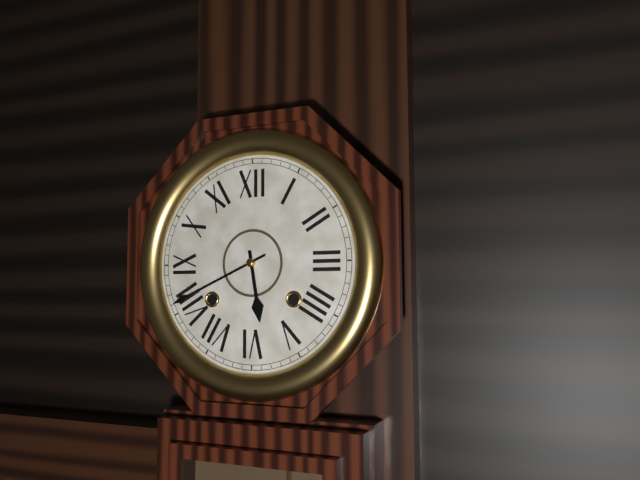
5:41
